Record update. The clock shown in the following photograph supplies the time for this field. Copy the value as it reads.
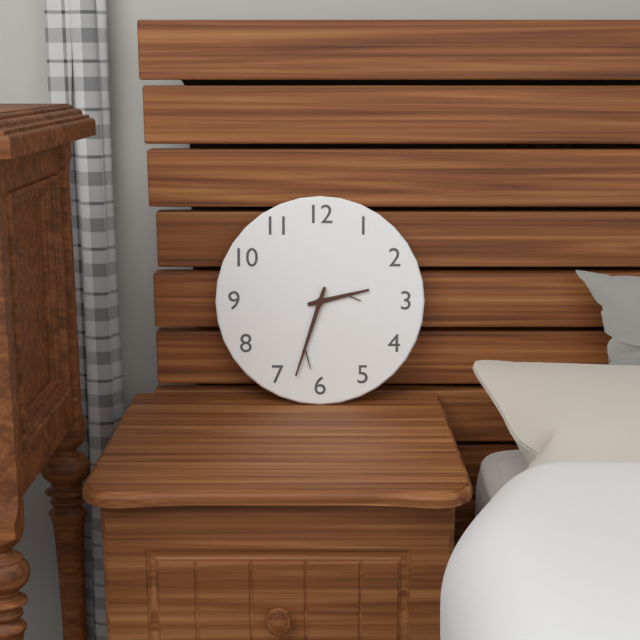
2:33
